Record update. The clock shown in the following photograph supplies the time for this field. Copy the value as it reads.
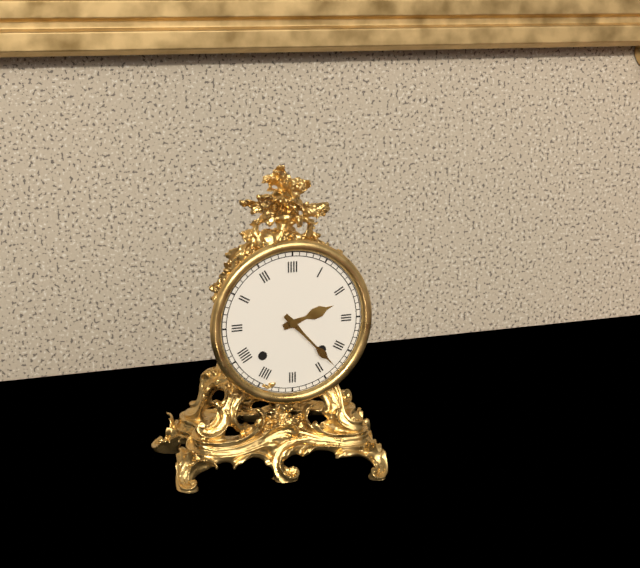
2:23
